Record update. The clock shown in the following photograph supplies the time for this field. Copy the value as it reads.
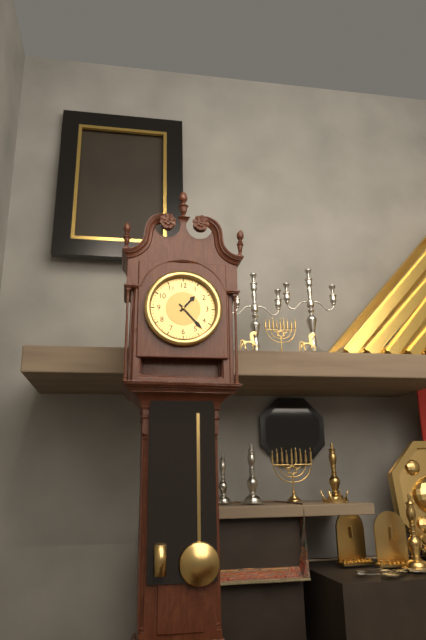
1:23
